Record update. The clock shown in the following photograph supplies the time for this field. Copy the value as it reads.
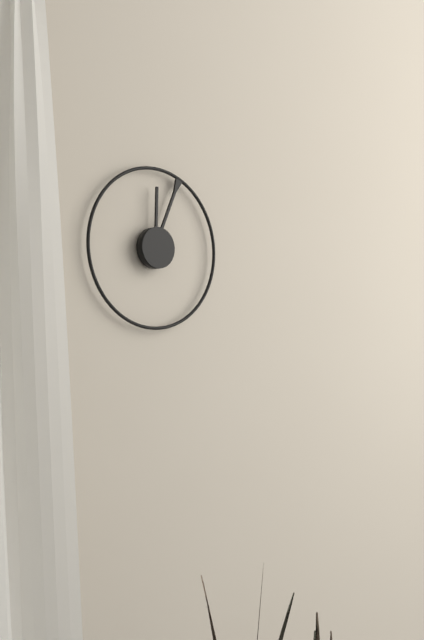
12:04
